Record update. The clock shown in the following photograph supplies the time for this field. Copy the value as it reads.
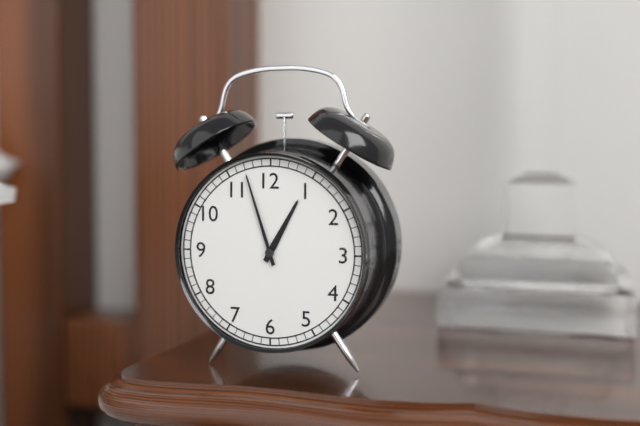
12:57
